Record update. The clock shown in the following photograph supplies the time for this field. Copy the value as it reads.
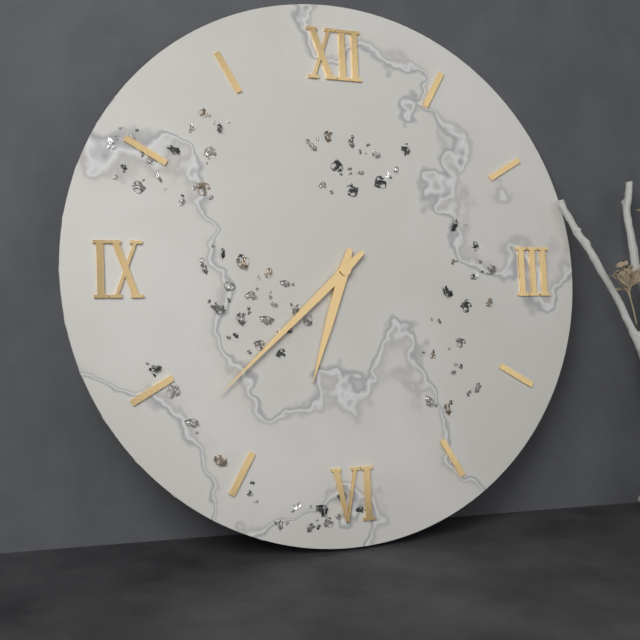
6:38
